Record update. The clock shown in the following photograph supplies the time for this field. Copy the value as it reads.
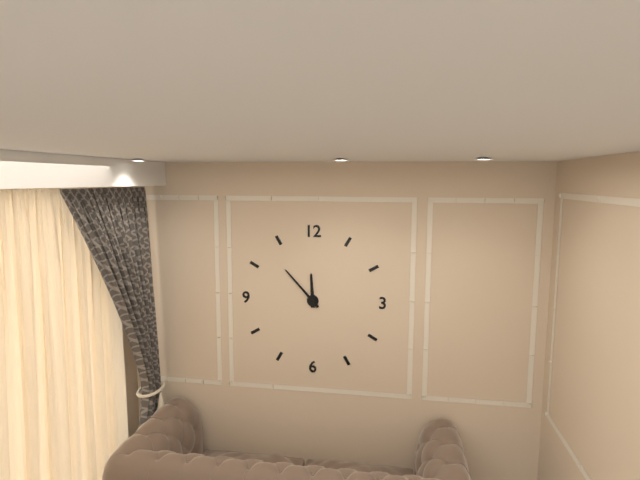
11:53
